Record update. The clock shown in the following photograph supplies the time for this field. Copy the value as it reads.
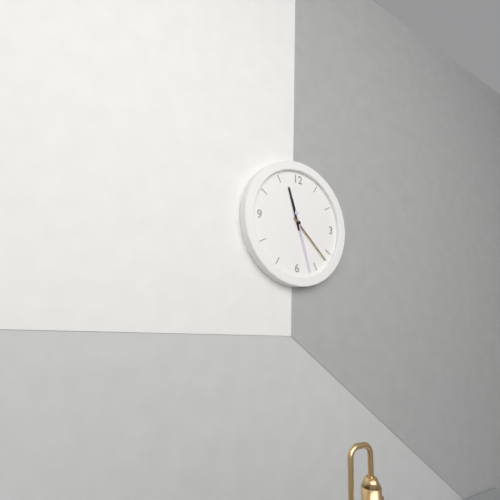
11:22:27
